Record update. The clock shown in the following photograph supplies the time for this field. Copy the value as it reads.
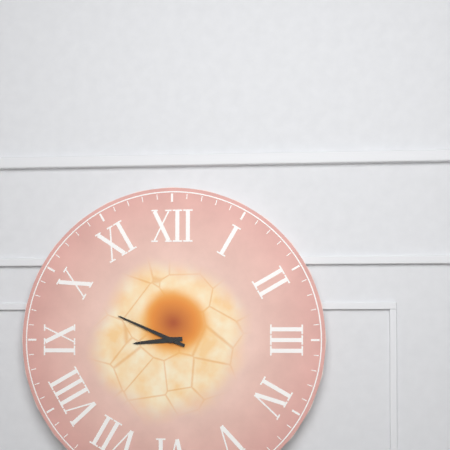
8:49
